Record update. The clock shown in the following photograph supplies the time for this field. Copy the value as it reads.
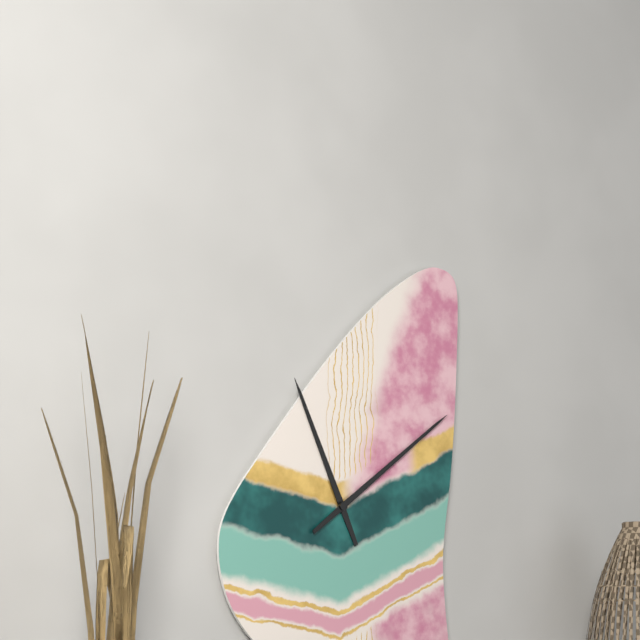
11:09
